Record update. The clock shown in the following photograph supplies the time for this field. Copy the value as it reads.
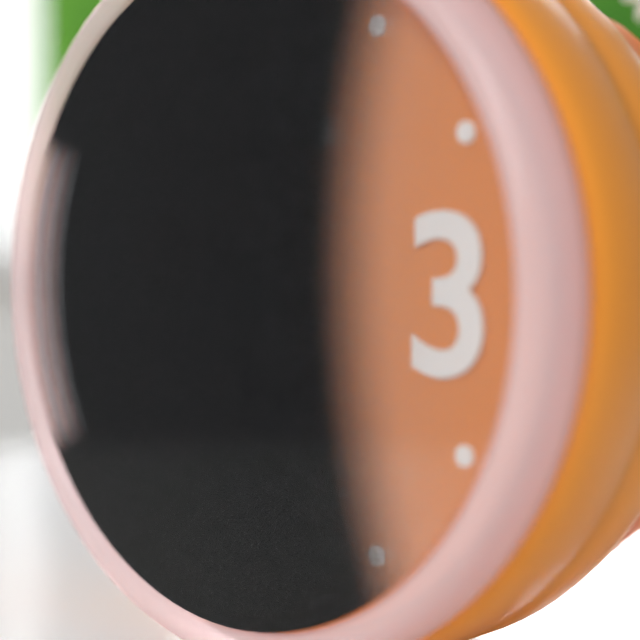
5:37:42
